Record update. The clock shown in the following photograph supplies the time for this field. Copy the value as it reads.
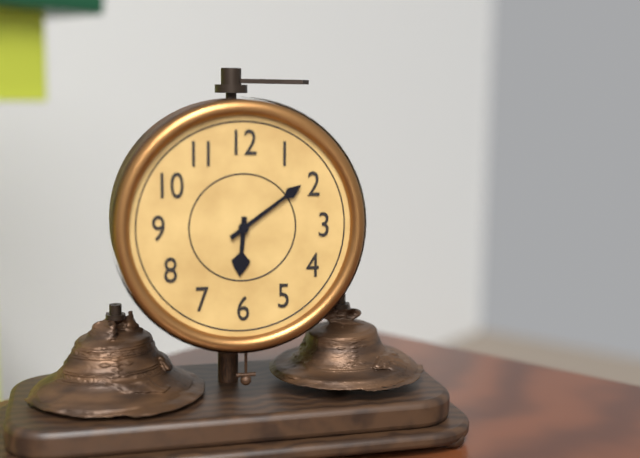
6:09
